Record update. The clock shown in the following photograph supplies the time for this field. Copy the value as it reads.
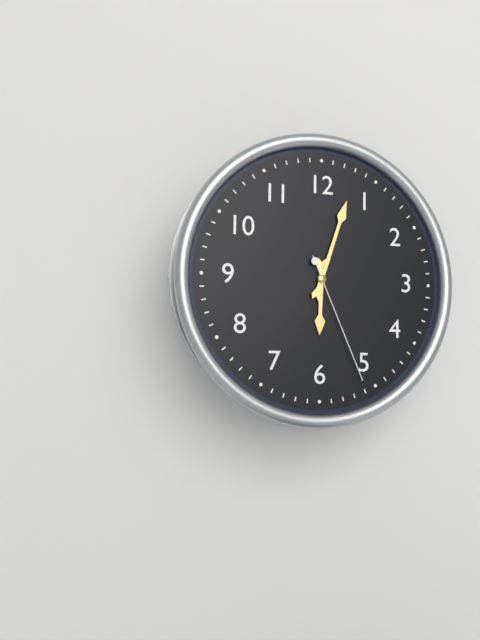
6:03:26
